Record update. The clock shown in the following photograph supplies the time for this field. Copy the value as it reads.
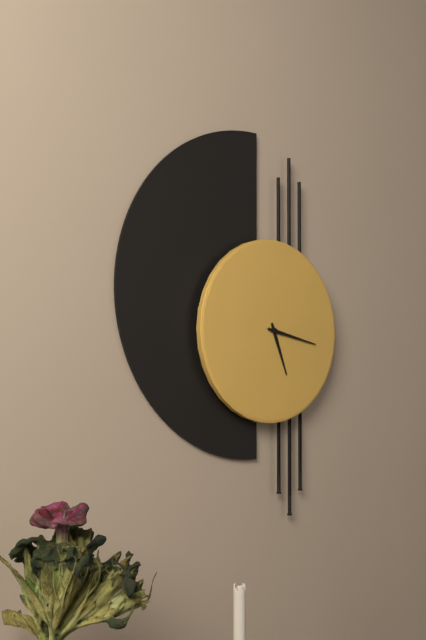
5:17
